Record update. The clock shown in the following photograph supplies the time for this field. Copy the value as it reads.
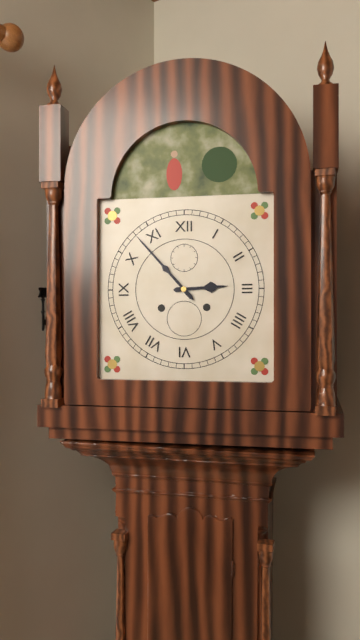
2:53
